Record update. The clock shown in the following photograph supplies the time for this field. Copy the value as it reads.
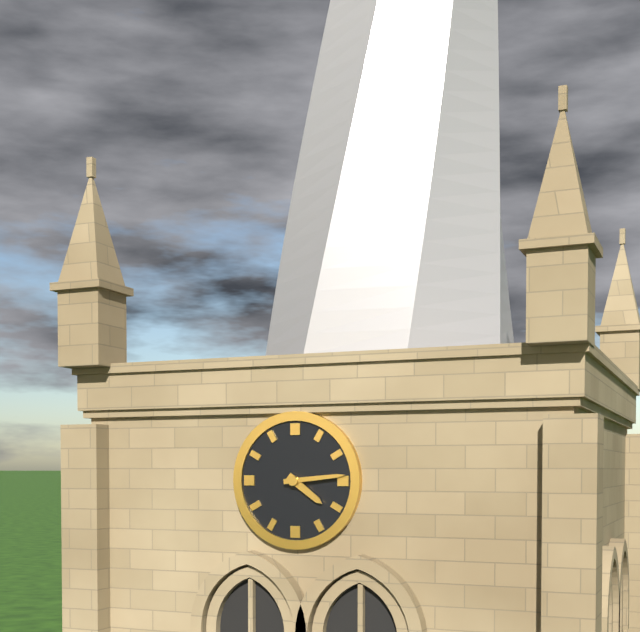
4:14
